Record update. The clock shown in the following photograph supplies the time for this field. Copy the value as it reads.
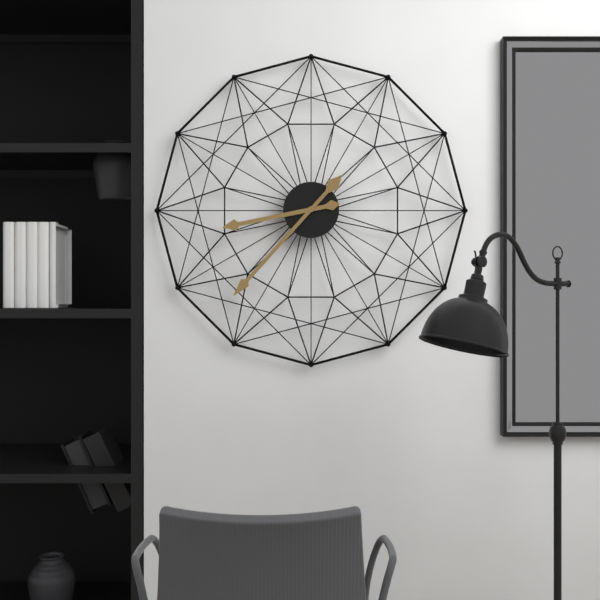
8:37
